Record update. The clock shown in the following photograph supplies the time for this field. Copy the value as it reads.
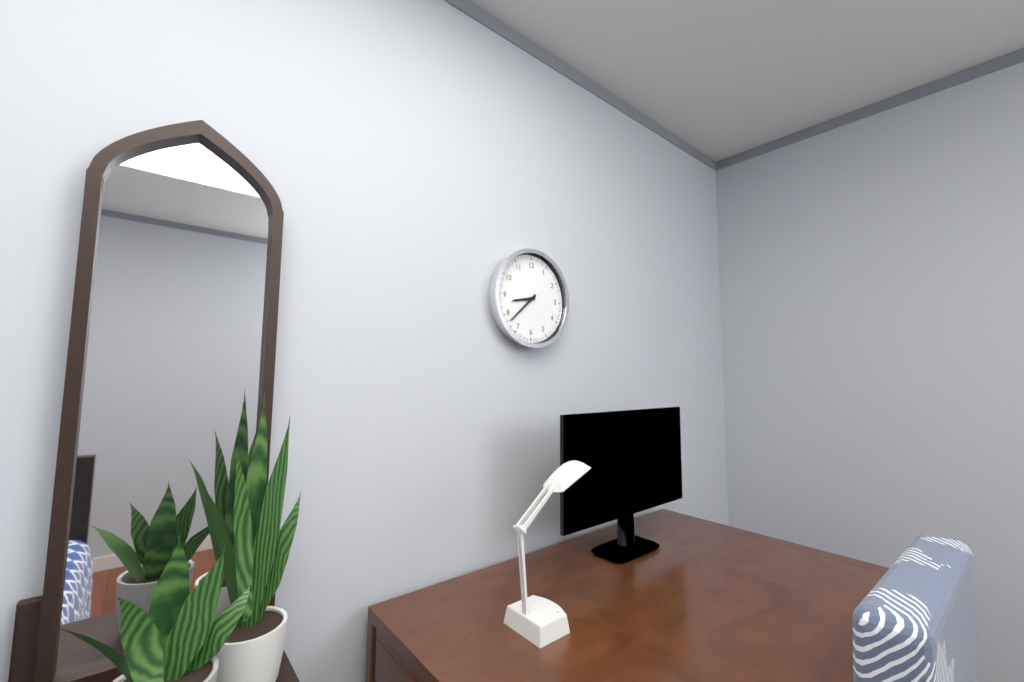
8:38
